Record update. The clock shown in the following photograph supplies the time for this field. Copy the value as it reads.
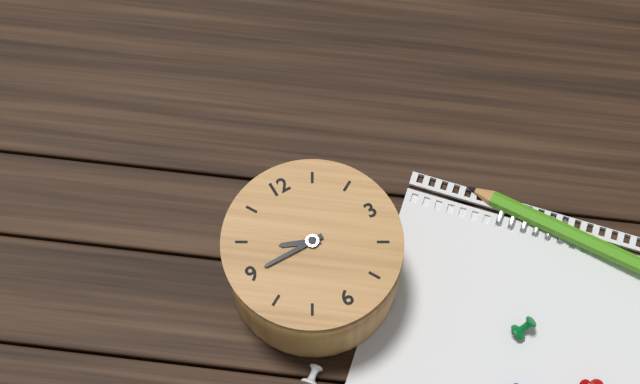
9:45
